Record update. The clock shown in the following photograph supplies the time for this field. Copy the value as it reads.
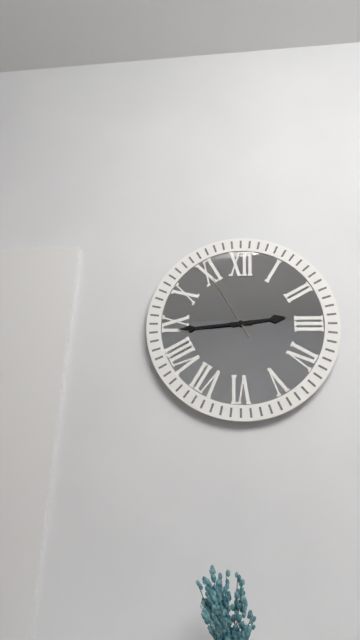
2:44:55
